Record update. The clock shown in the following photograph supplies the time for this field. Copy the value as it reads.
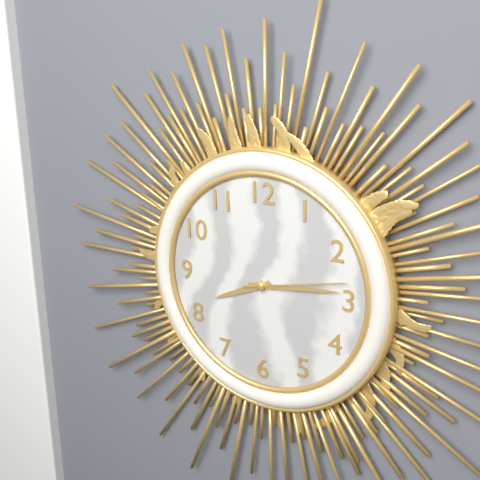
8:14:13
